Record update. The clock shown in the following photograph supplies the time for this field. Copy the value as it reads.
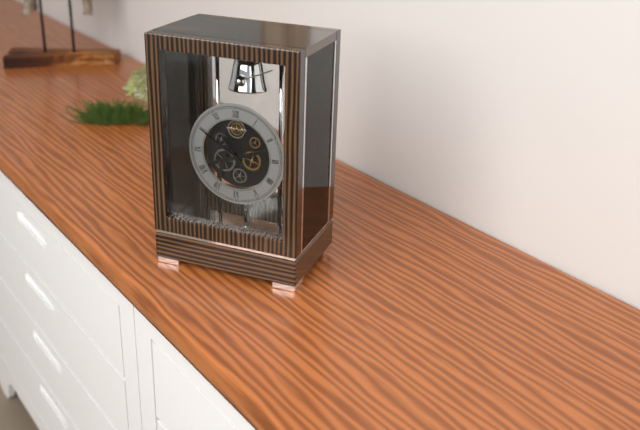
10:50
